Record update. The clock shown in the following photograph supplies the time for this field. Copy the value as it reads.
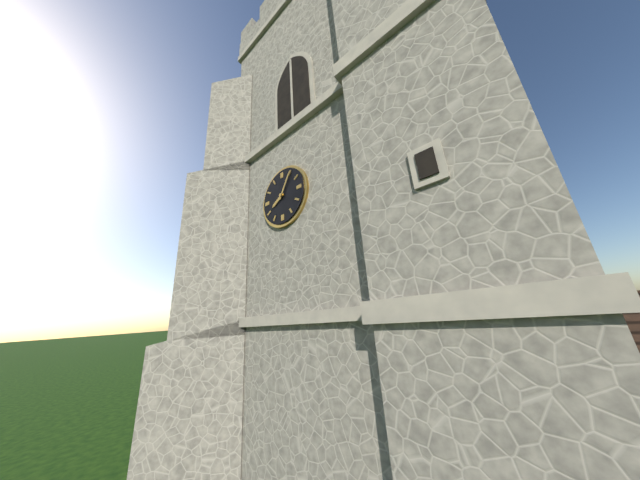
8:05
